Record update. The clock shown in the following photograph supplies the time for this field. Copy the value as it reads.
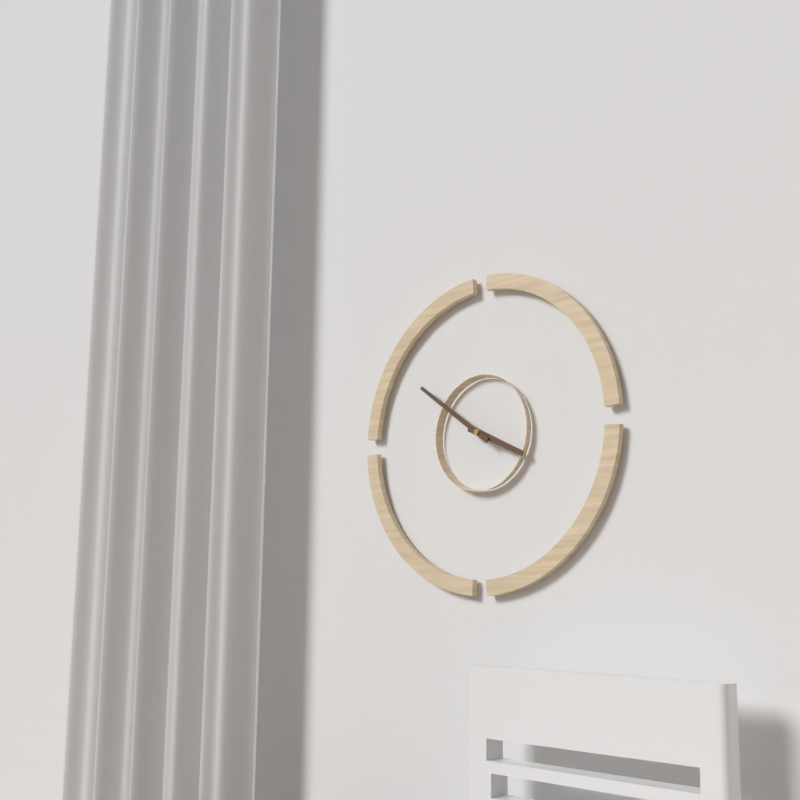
3:51
